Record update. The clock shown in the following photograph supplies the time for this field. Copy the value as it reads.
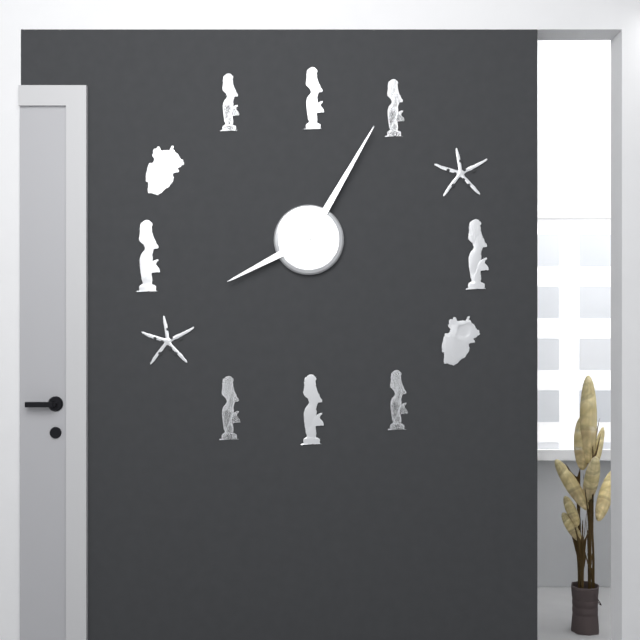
8:05
